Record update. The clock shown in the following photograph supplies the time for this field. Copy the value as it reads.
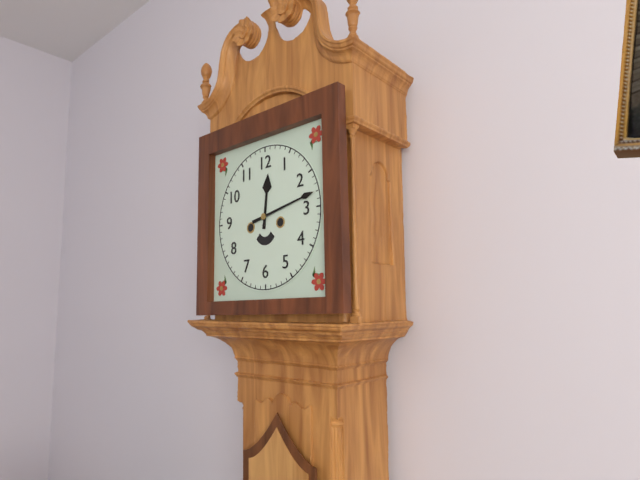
12:13
